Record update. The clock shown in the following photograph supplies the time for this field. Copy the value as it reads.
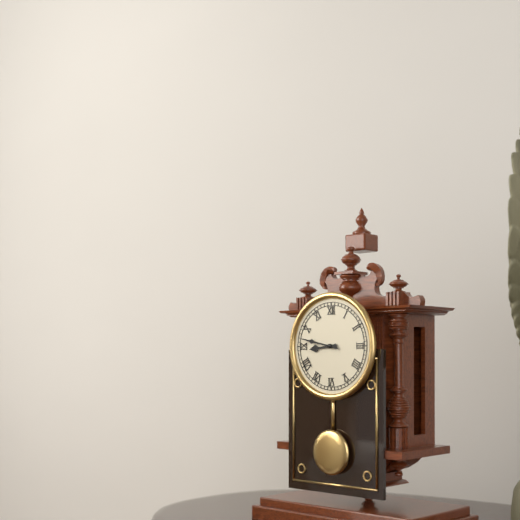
8:47
